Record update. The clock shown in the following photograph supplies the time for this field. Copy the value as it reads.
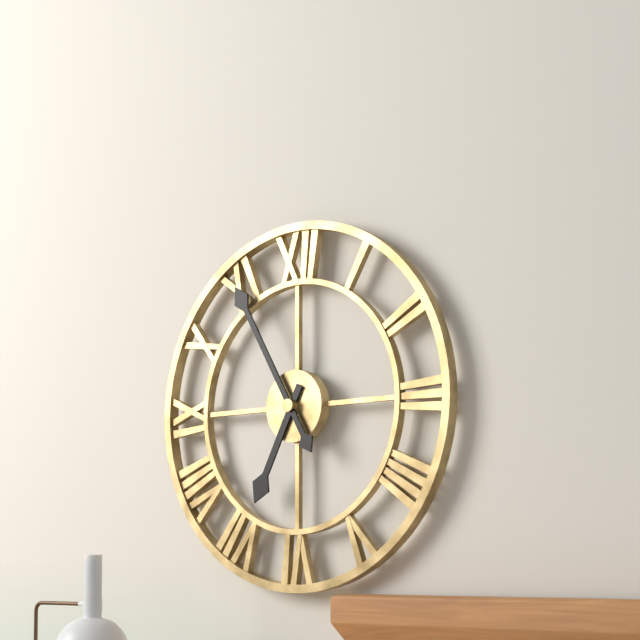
6:55
